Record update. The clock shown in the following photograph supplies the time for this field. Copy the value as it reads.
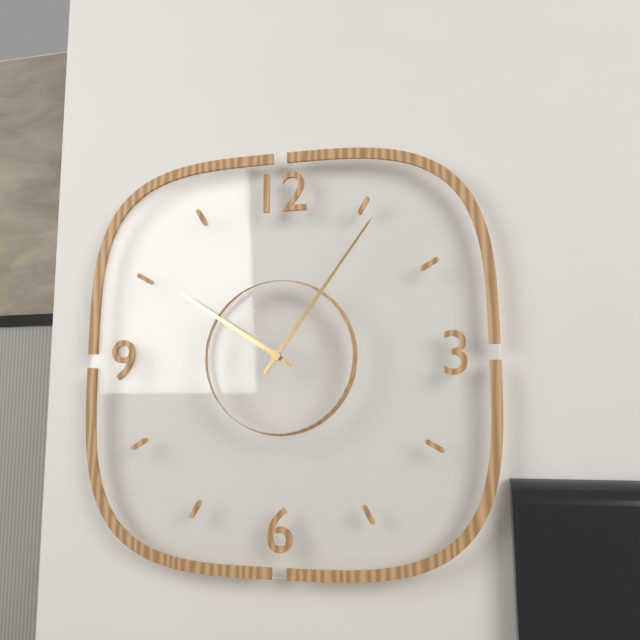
10:06
